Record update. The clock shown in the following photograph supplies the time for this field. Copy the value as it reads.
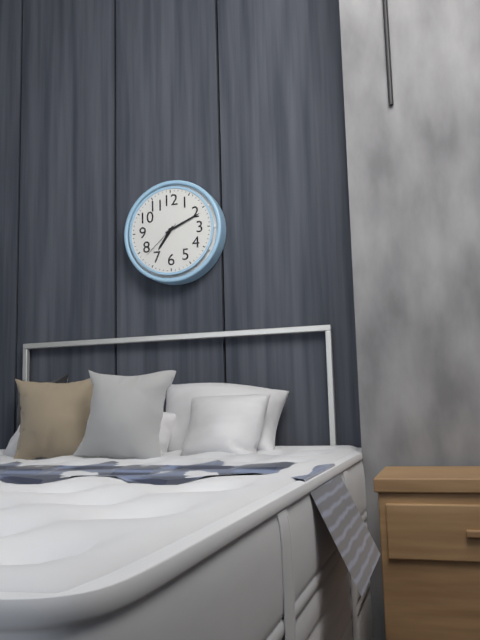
7:11
